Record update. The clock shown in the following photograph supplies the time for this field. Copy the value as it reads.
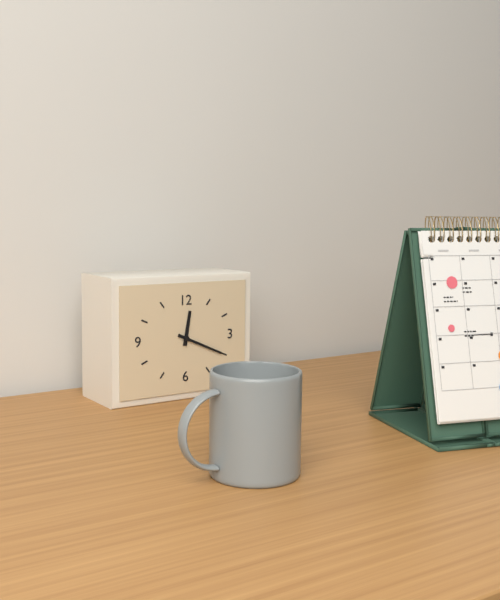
12:19
